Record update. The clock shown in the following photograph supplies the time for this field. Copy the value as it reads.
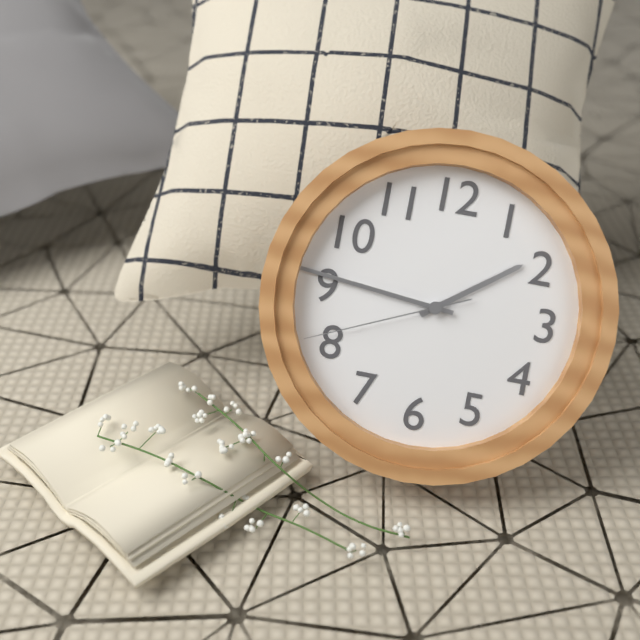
1:46:41
